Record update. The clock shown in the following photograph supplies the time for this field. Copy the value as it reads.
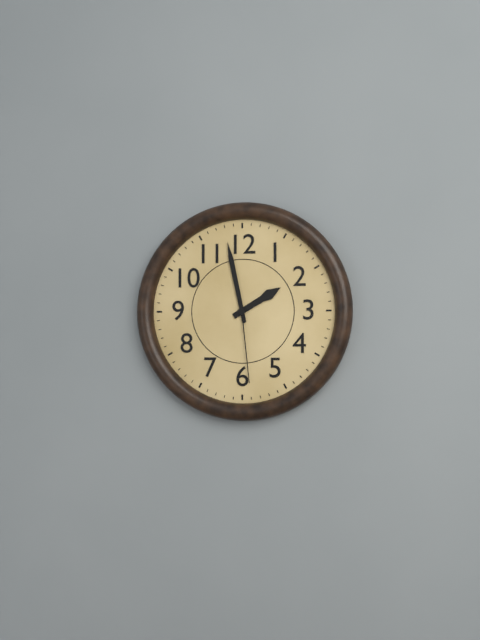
1:58:29
